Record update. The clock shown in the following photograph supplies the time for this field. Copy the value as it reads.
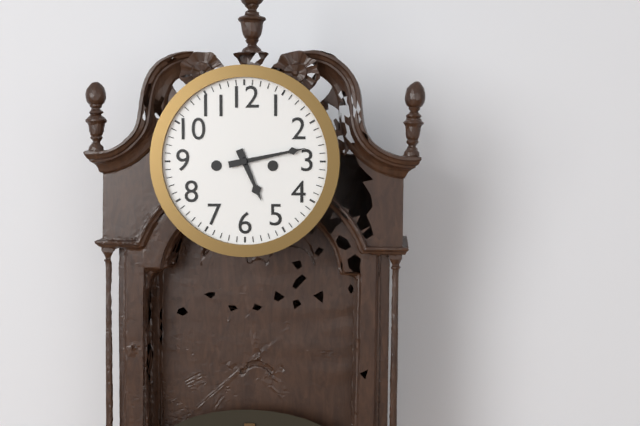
5:13
